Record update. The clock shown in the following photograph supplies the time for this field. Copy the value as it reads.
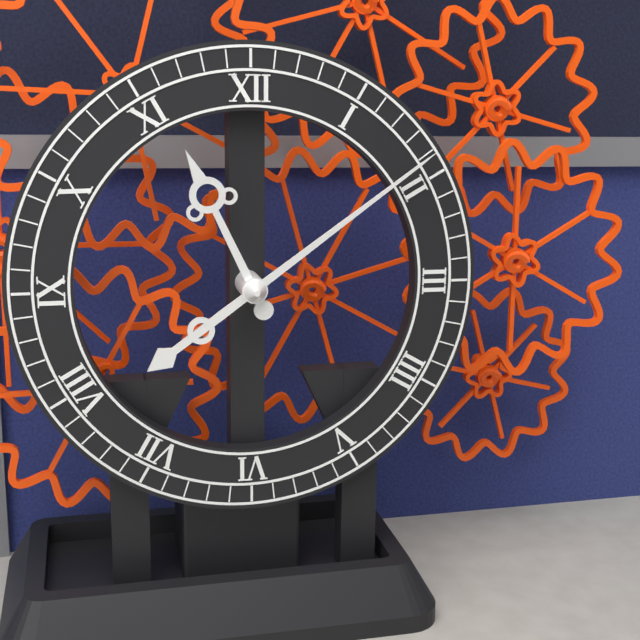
11:09
